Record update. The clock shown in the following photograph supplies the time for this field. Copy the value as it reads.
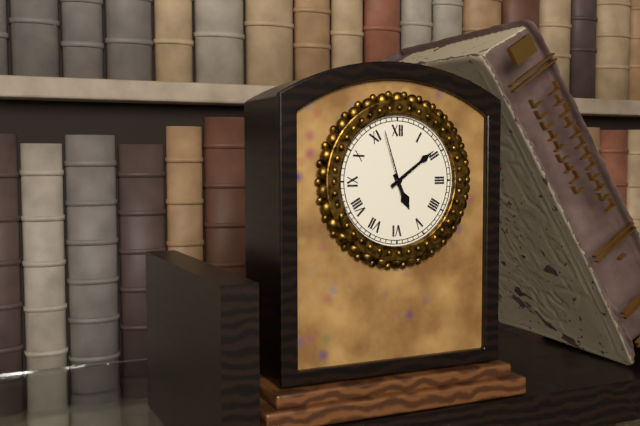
5:09:57
